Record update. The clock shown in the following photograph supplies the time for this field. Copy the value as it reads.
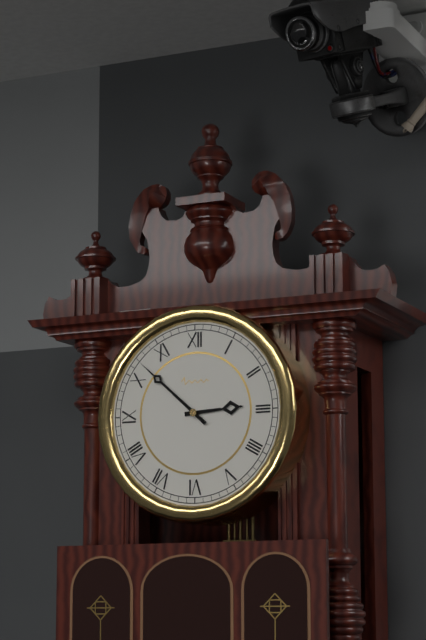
2:52
